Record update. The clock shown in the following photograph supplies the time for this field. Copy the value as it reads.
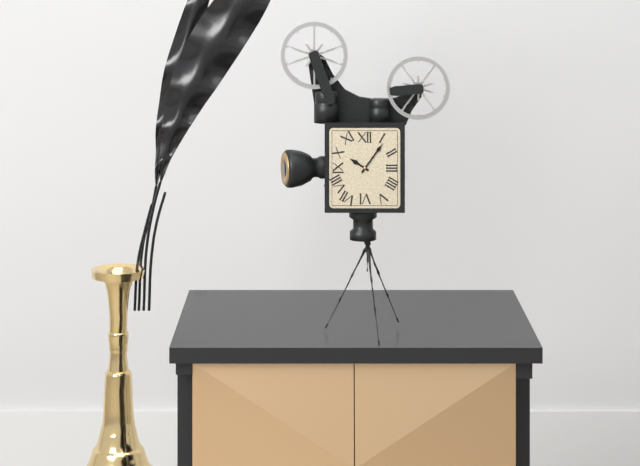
10:06
